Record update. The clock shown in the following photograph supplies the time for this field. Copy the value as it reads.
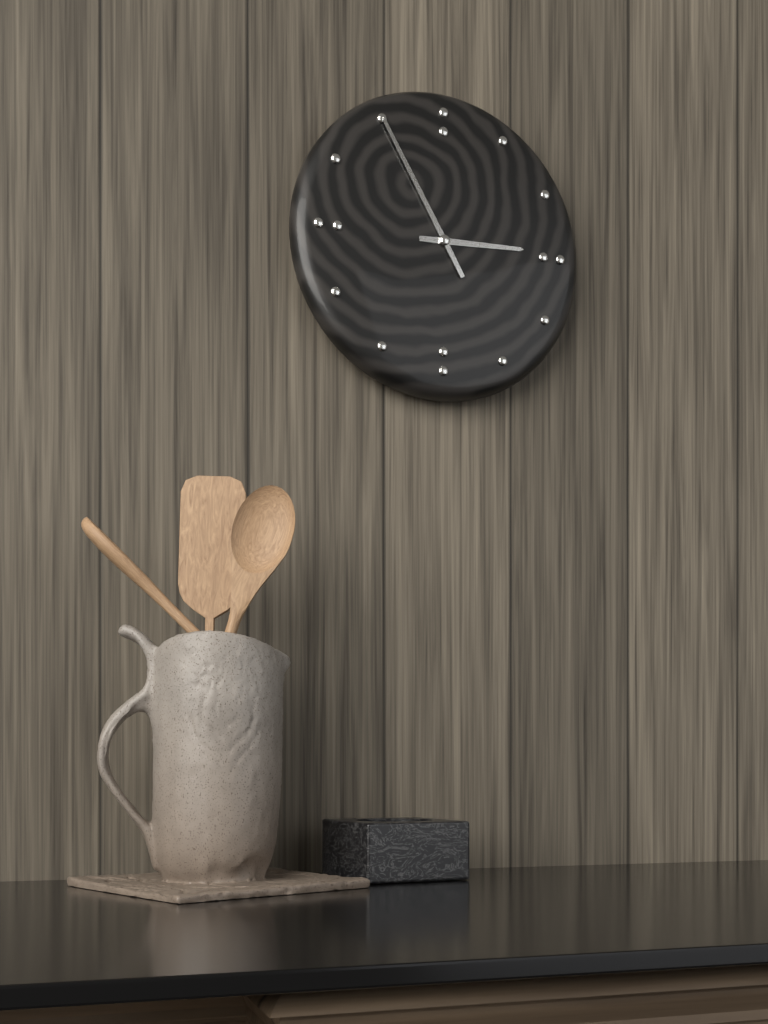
2:55
